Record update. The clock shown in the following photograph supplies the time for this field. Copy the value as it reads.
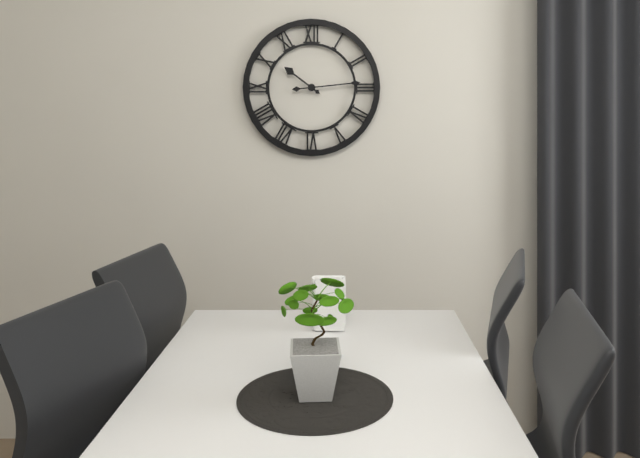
10:14
